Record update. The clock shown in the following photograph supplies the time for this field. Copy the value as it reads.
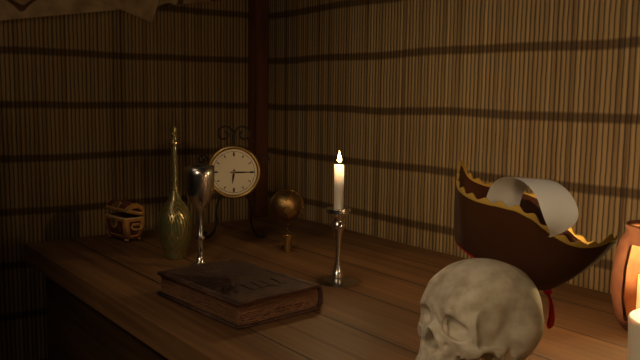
6:15
